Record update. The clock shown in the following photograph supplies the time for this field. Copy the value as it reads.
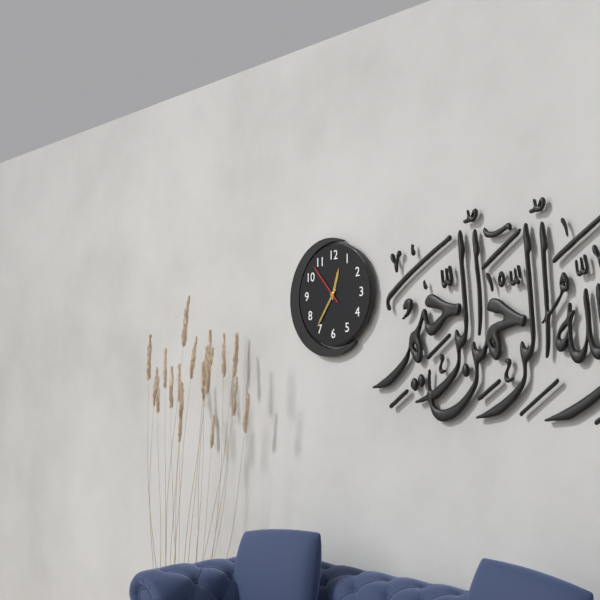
12:36:53
